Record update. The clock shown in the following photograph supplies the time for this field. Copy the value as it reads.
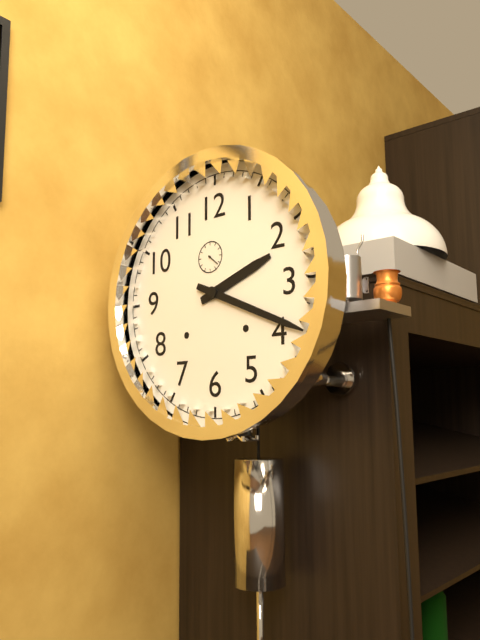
2:19
